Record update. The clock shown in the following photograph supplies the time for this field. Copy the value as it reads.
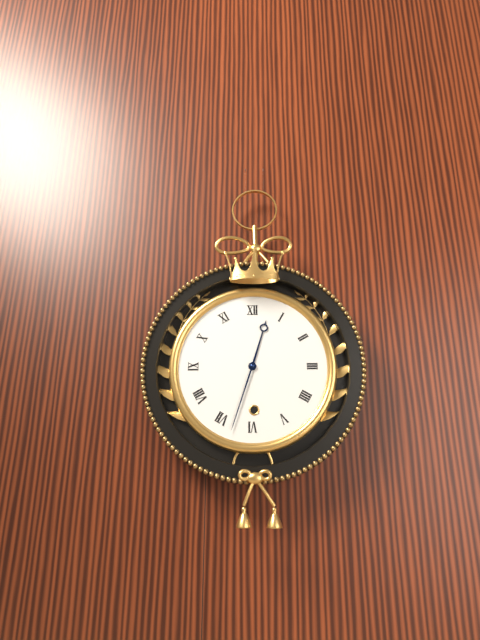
12:33
